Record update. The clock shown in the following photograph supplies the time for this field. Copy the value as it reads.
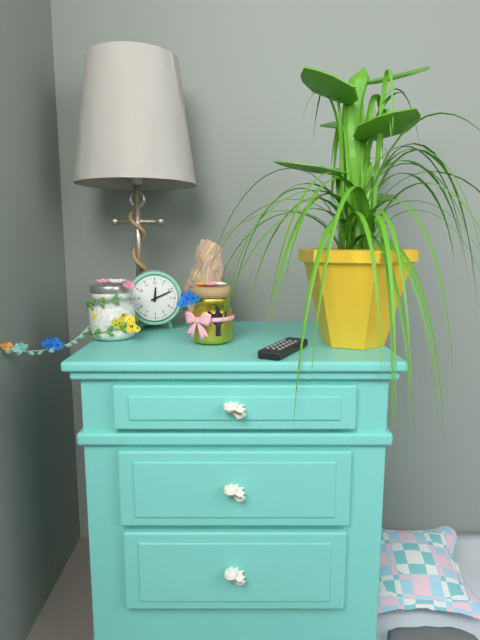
12:11
